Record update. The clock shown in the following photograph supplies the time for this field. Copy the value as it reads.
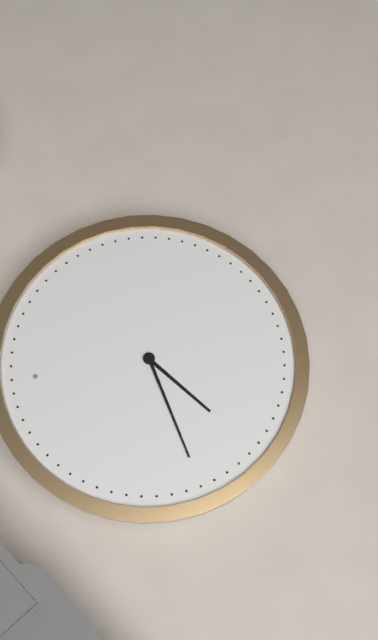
7:43
